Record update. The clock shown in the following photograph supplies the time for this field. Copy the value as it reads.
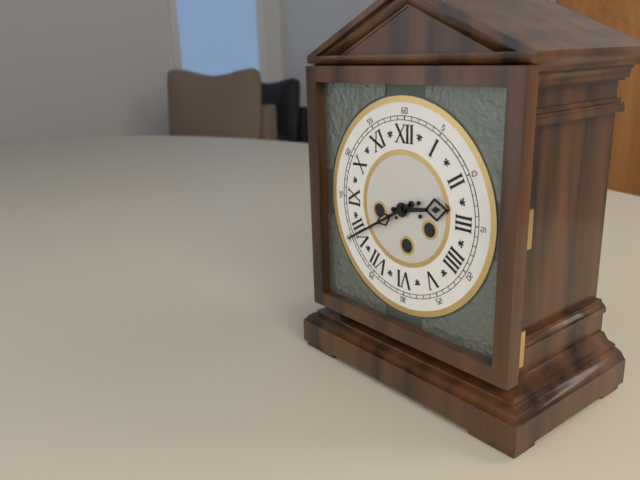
2:40
